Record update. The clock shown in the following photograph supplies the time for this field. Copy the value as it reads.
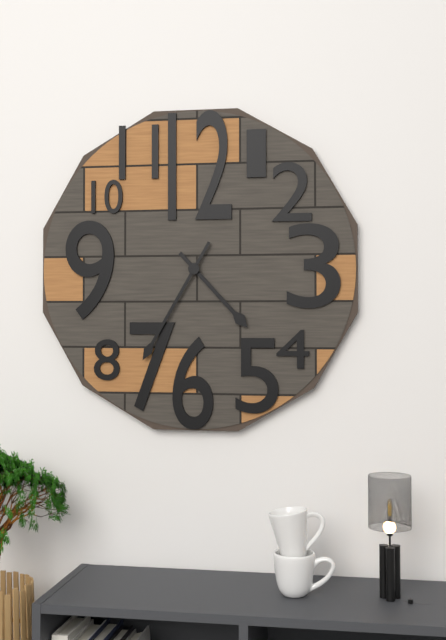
4:35
